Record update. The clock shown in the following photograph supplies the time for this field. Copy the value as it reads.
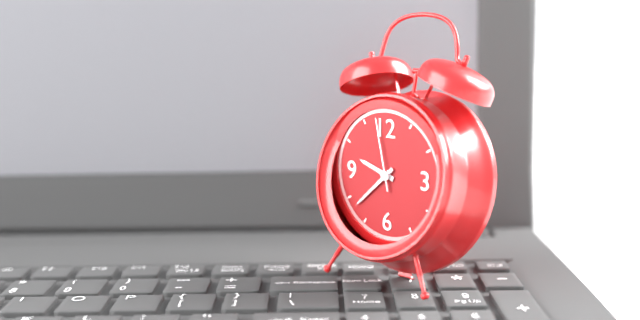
9:38:58
